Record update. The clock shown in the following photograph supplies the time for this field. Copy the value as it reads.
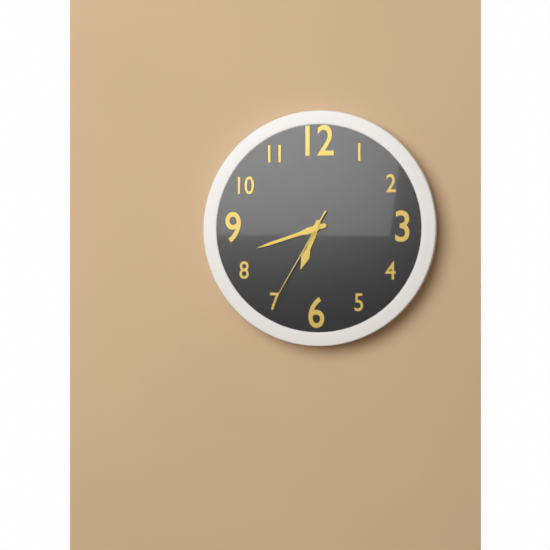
6:42:35
